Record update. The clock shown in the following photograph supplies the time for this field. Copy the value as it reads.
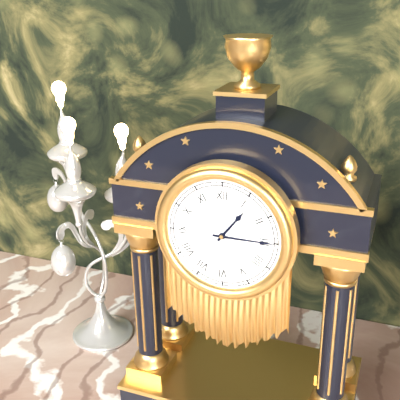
1:15
